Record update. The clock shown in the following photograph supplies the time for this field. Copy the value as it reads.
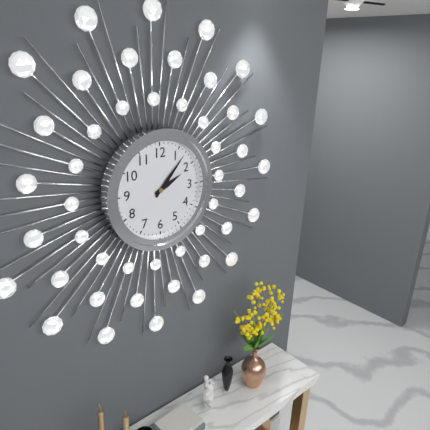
2:07
